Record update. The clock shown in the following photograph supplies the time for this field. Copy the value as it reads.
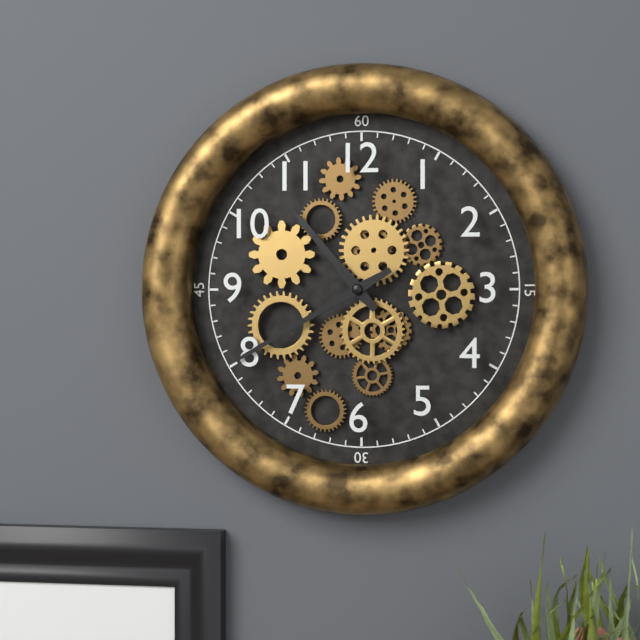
10:40
